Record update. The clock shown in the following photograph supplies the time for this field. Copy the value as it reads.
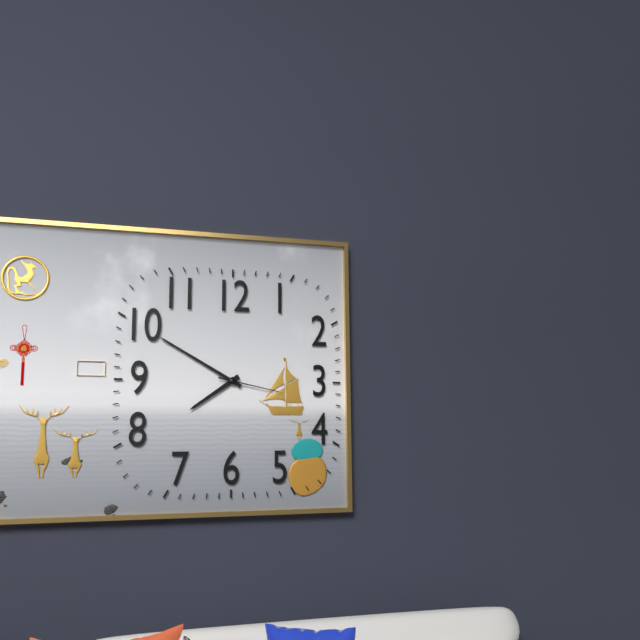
7:50:17
